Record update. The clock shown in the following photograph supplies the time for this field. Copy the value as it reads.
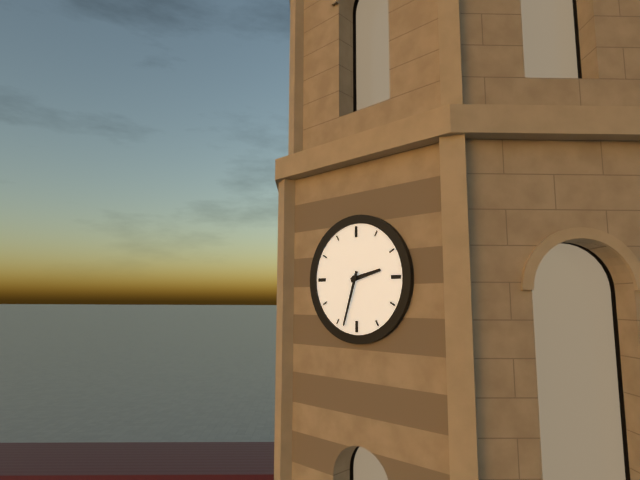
2:33
